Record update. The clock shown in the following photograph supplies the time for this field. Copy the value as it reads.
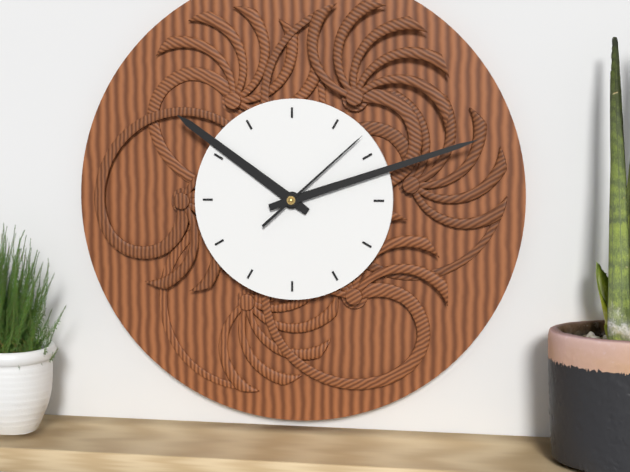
10:12:08
